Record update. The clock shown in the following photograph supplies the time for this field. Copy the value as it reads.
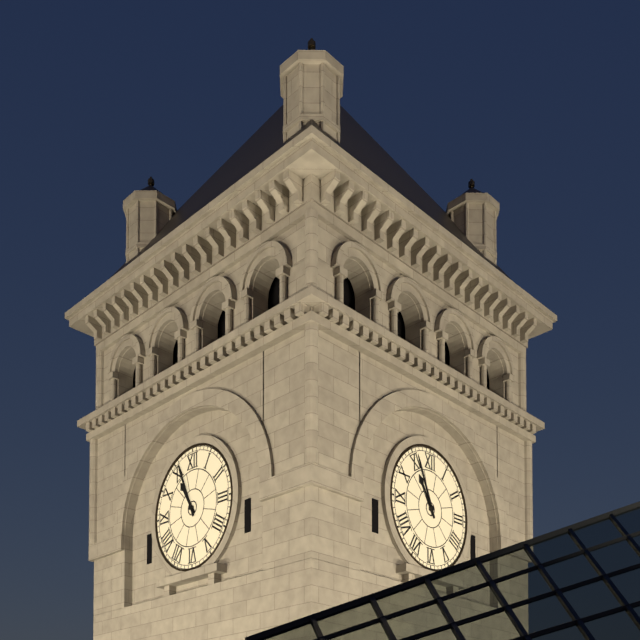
10:56
